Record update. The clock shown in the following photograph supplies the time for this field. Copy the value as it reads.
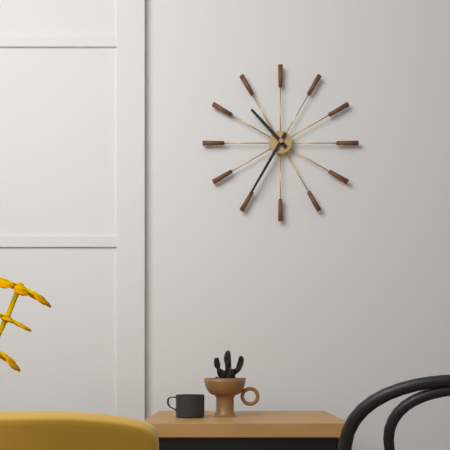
10:35
